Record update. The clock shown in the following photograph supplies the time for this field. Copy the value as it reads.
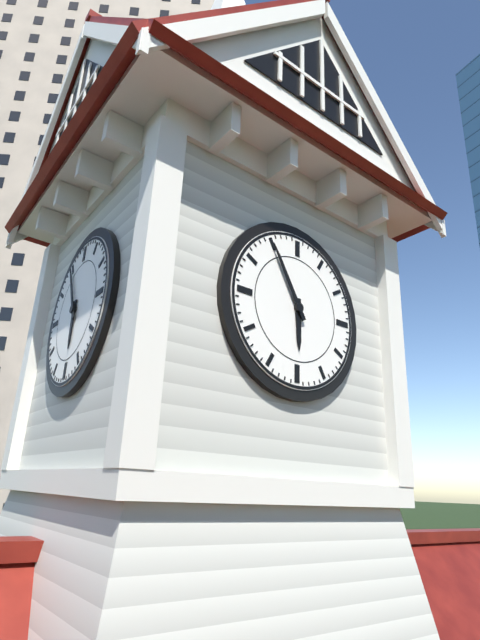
5:55
